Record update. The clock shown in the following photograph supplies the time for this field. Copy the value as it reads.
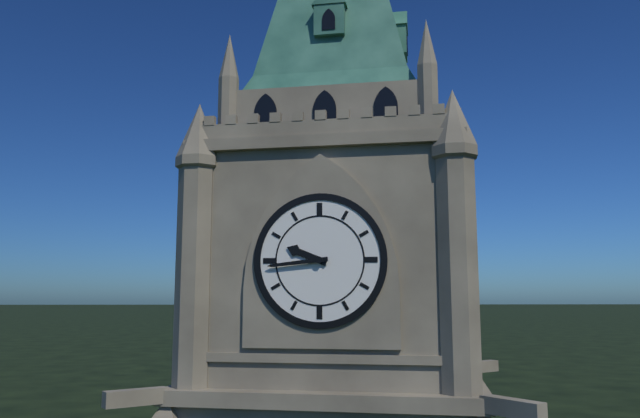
9:44
